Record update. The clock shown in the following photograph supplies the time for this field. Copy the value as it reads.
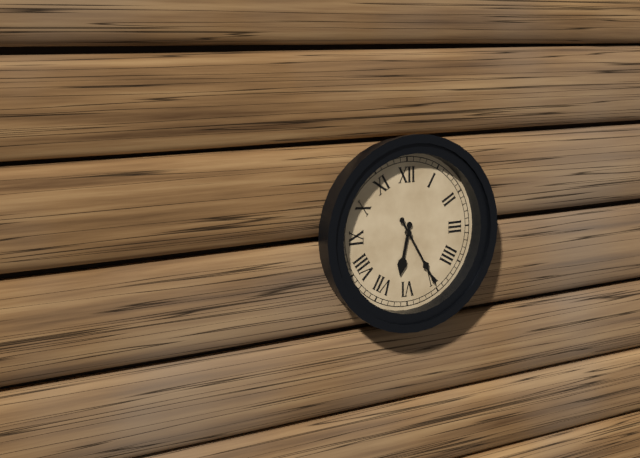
6:25
